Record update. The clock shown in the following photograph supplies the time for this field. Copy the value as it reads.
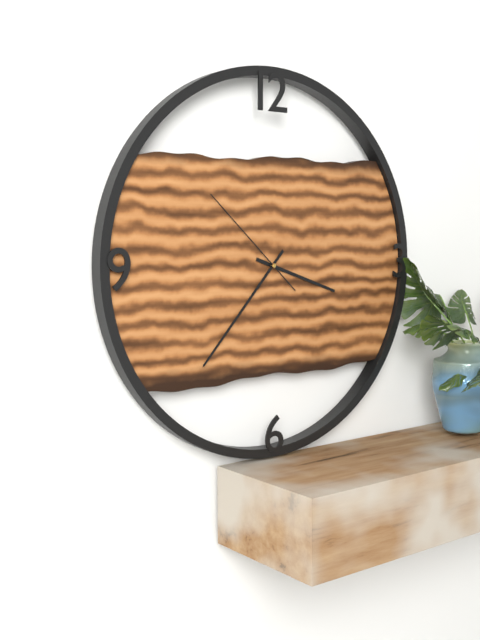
3:37:52
